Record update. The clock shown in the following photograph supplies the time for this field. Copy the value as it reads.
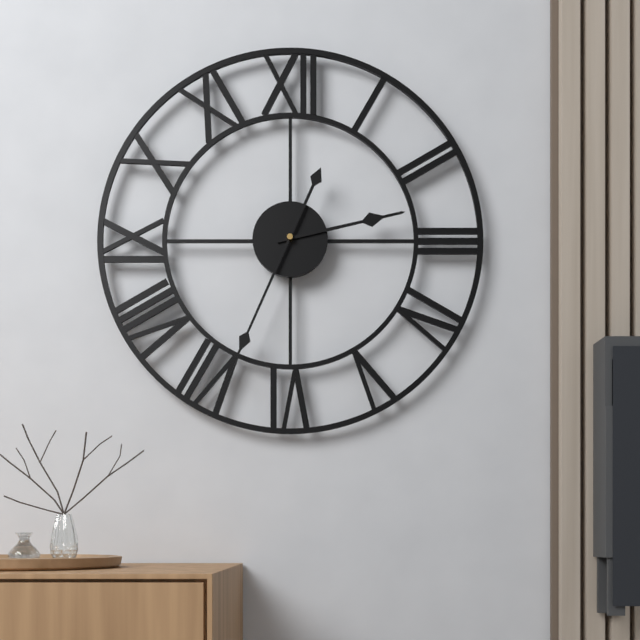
2:34
